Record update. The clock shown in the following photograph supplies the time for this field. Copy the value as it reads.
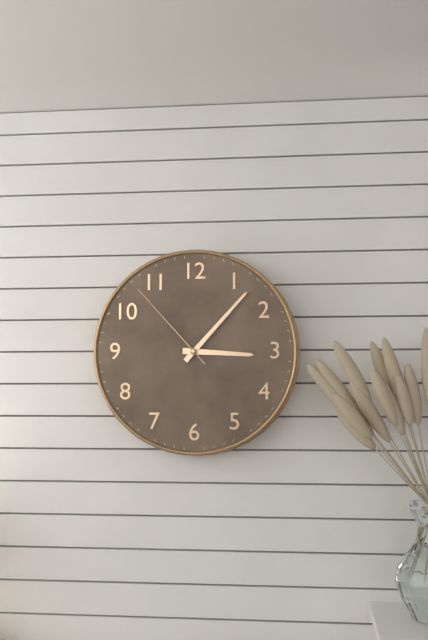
3:07:53
